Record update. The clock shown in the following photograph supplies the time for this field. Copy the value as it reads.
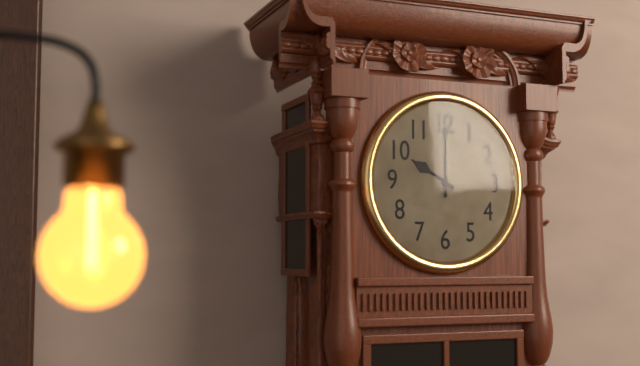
10:00
